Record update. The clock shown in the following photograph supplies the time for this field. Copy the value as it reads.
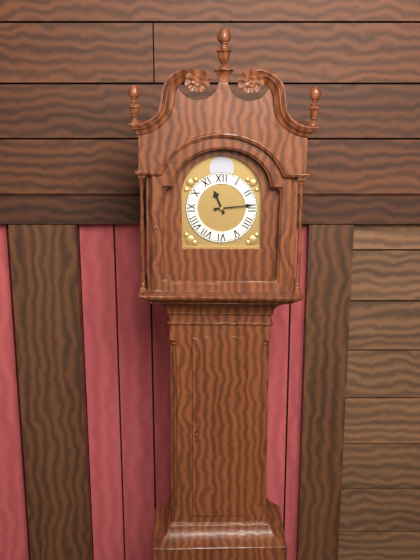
11:14
